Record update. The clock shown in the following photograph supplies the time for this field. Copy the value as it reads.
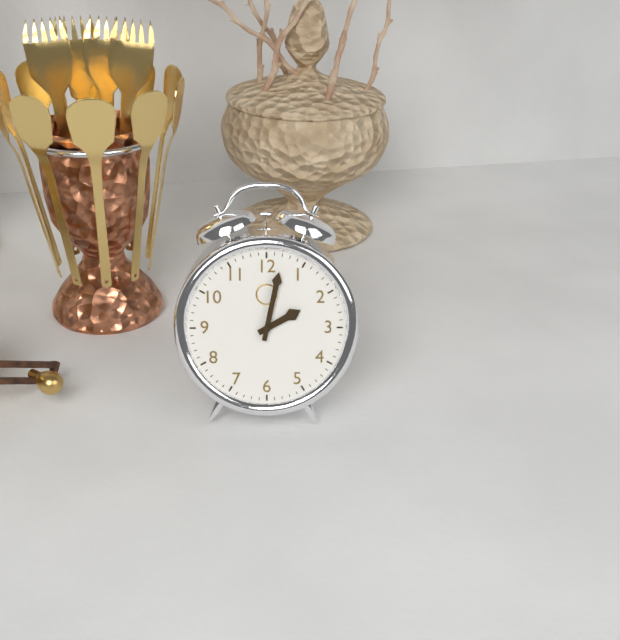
2:02
